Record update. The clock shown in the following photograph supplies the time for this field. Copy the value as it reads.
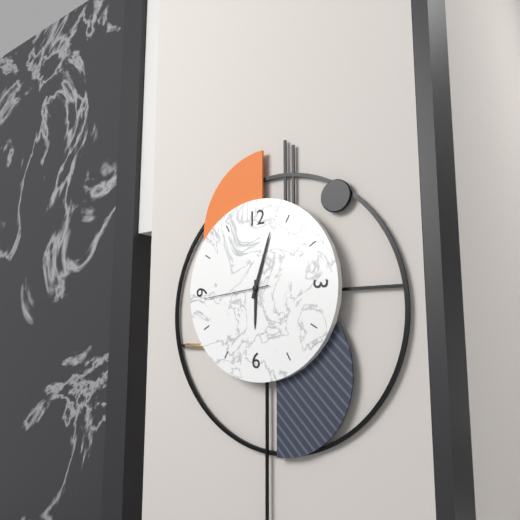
6:03:44
